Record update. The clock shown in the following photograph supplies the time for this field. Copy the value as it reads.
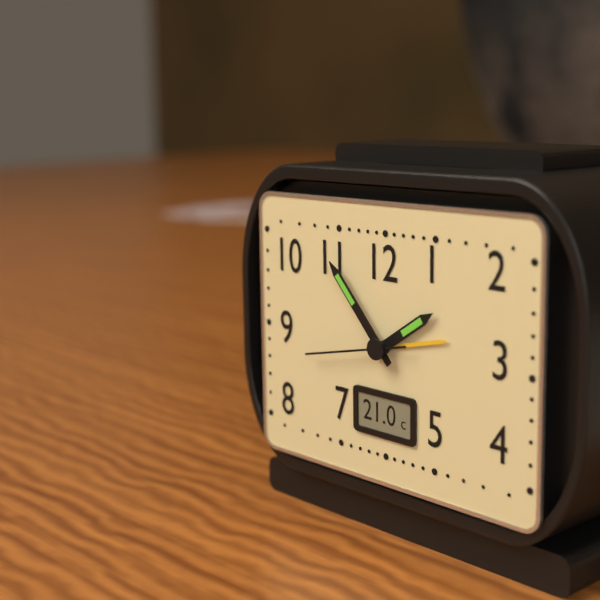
1:53:43
